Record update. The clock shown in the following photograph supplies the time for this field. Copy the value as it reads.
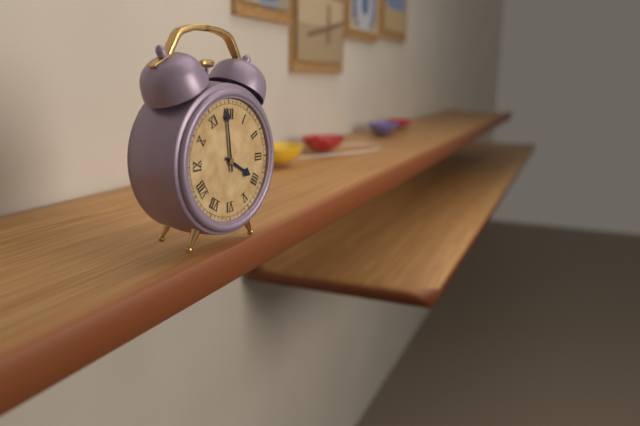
3:59
